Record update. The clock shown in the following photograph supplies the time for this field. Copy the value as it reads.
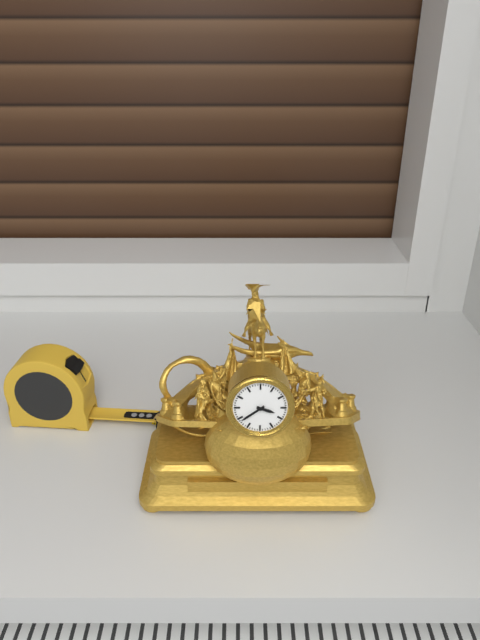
3:39
